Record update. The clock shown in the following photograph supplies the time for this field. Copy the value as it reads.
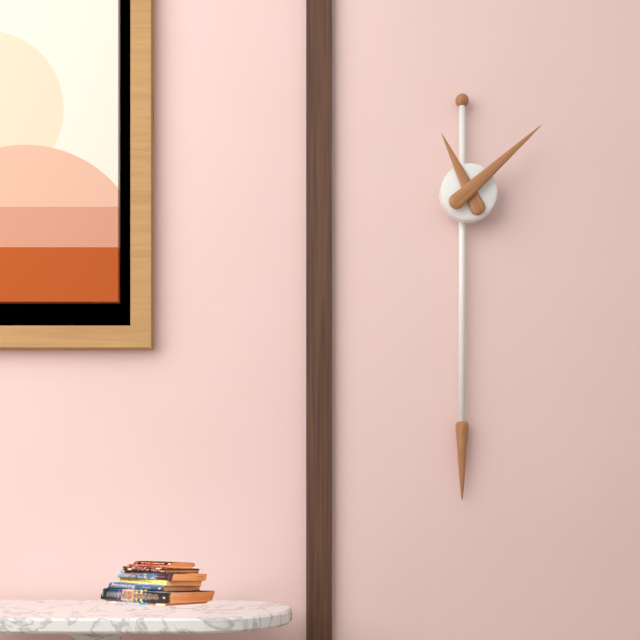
11:08
